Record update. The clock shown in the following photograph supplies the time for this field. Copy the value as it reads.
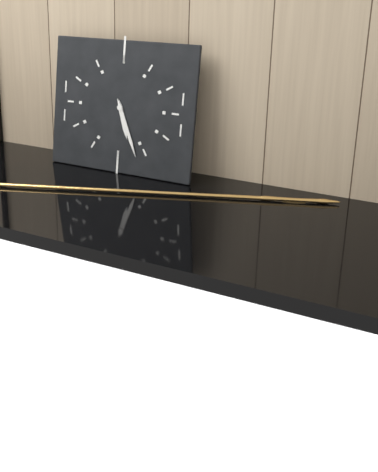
5:26
